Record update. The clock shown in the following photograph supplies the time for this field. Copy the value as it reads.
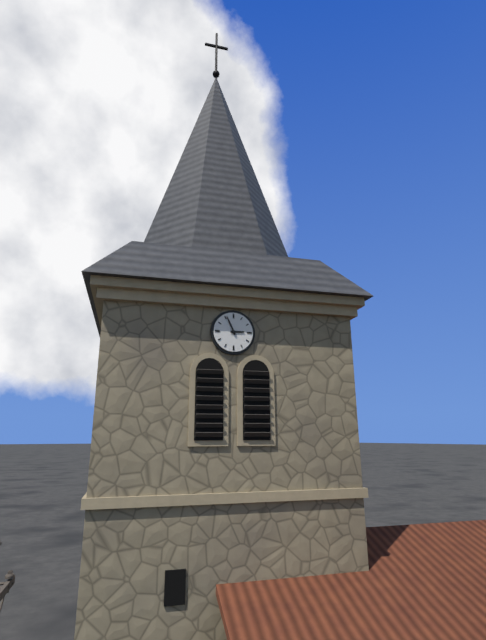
2:56
